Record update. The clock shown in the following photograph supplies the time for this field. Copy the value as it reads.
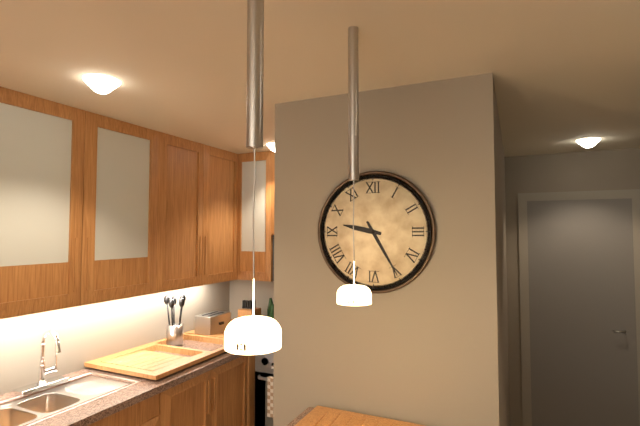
9:25
